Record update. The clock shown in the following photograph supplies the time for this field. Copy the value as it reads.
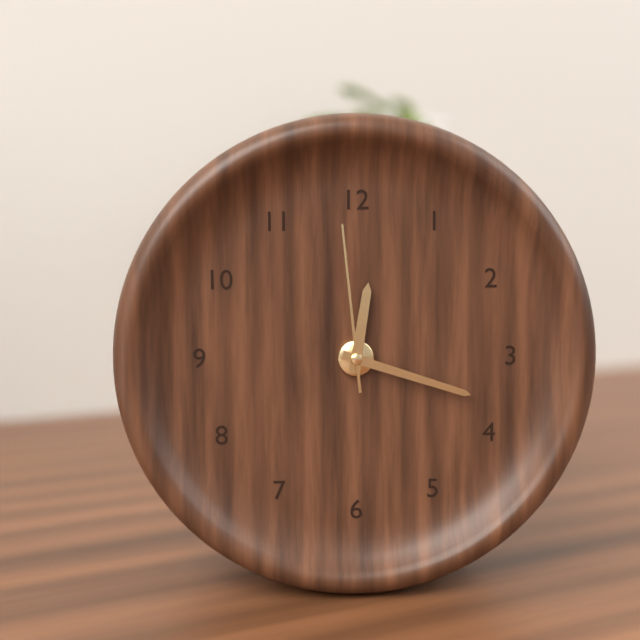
12:18:59
